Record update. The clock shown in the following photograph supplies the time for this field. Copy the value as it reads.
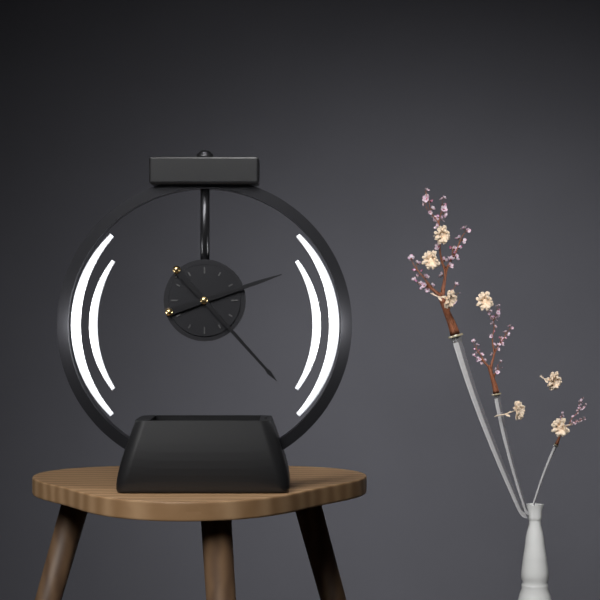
2:23
